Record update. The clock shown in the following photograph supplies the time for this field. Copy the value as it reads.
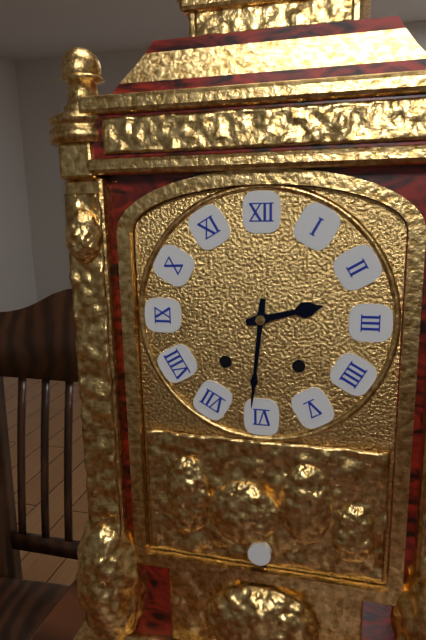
2:31
